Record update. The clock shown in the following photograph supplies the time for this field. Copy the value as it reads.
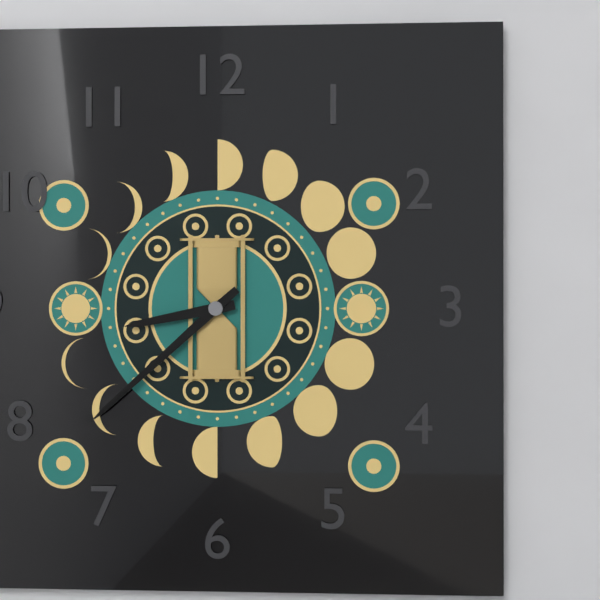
8:38
